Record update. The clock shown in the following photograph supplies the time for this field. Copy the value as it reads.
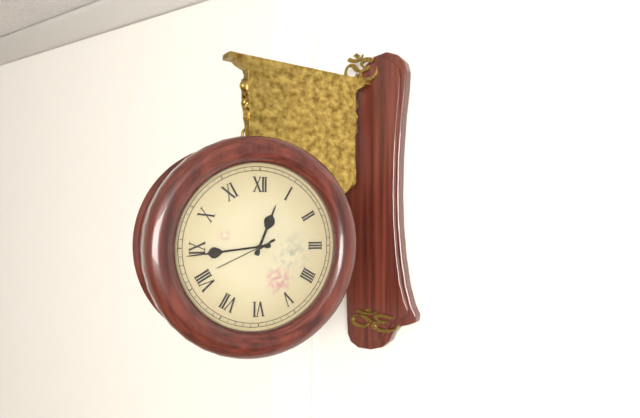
12:44
